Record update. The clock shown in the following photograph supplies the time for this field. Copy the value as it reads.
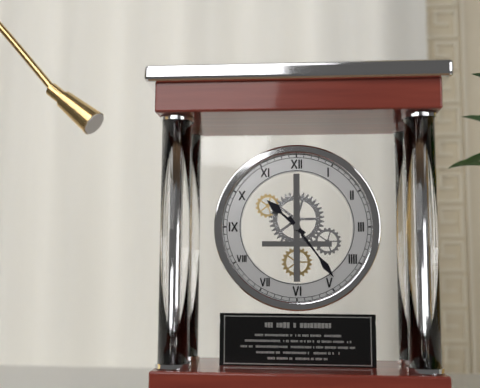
10:24
